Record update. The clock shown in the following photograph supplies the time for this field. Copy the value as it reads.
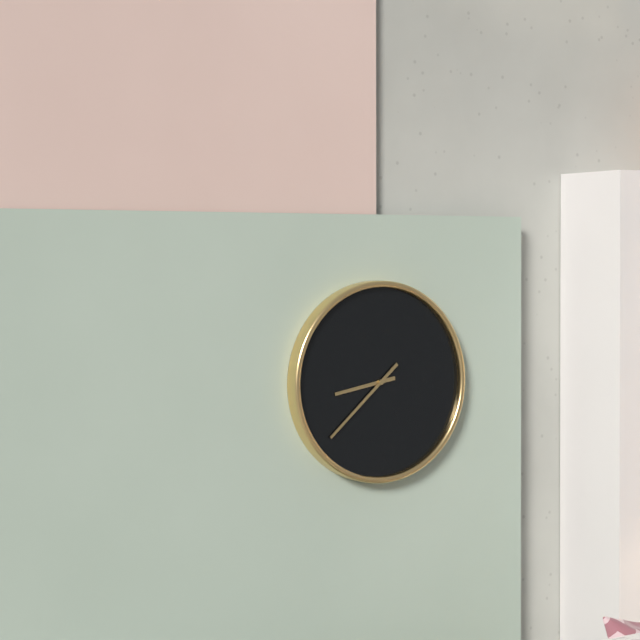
8:38
